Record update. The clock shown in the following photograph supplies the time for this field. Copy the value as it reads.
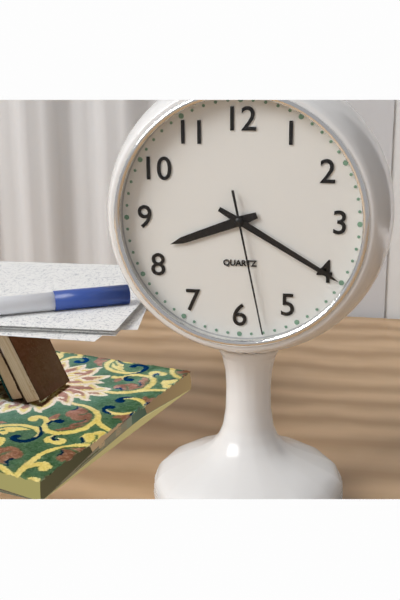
8:20:28
